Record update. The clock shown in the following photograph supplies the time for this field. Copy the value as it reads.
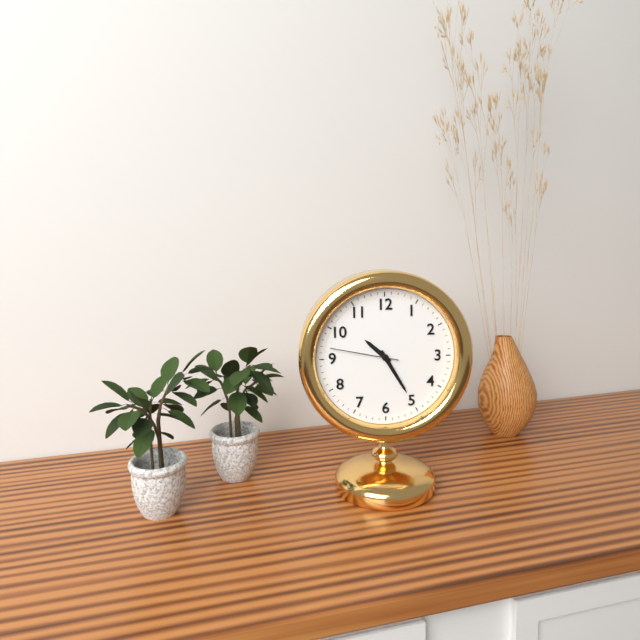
10:25:47
